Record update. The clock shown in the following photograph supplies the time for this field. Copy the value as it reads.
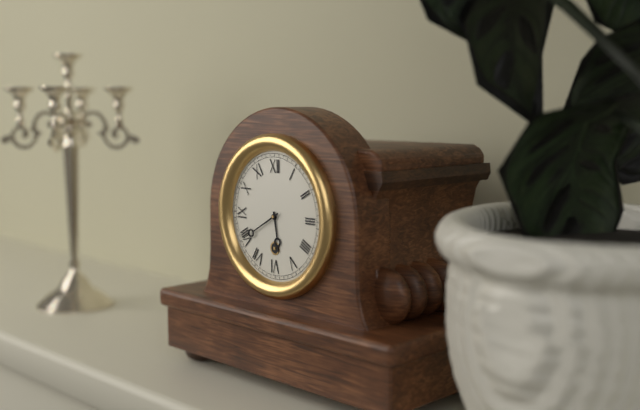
5:40
